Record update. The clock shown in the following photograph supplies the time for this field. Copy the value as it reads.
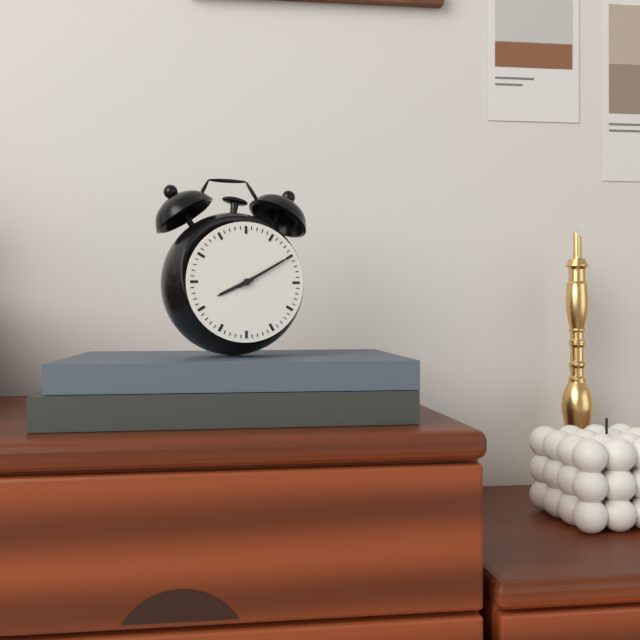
8:10
